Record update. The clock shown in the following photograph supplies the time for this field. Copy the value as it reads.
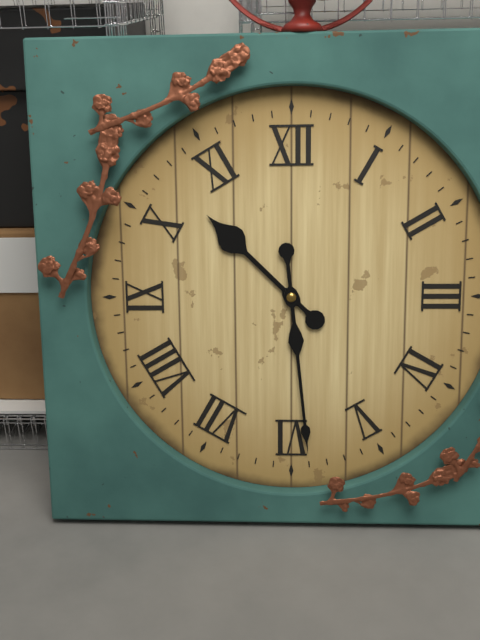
10:29
